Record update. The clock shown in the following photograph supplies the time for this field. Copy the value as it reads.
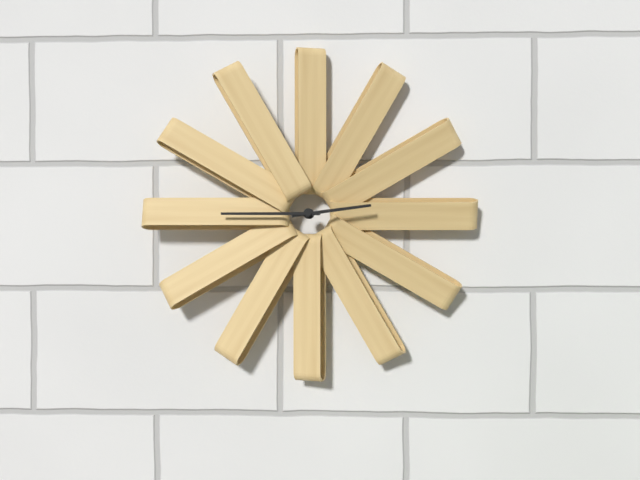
2:45
